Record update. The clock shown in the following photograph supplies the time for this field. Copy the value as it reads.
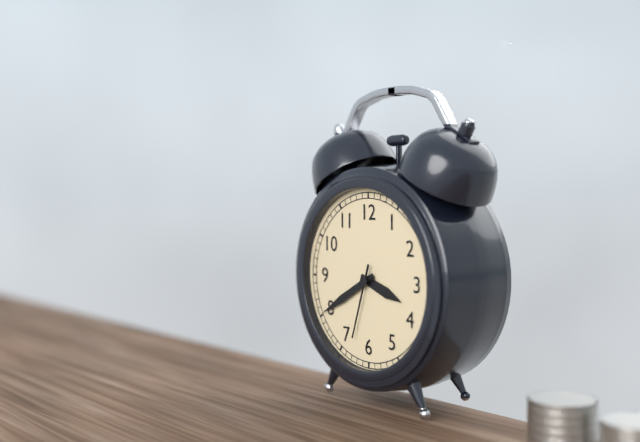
3:40:33
